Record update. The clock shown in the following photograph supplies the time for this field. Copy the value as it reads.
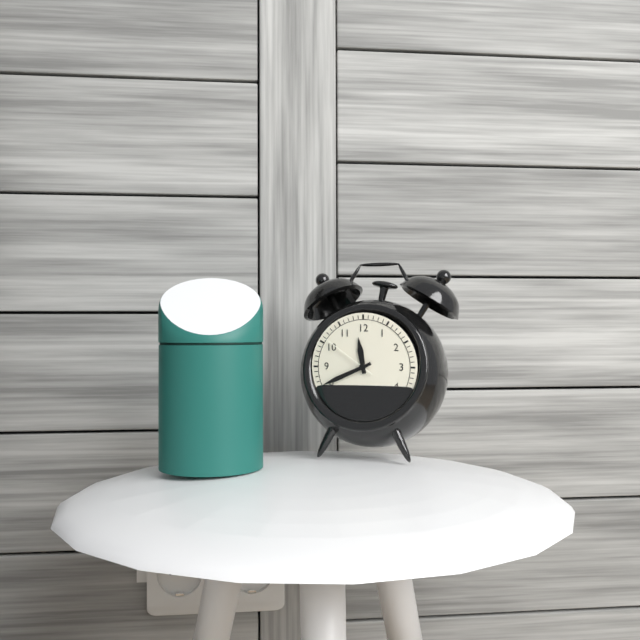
11:41:51
